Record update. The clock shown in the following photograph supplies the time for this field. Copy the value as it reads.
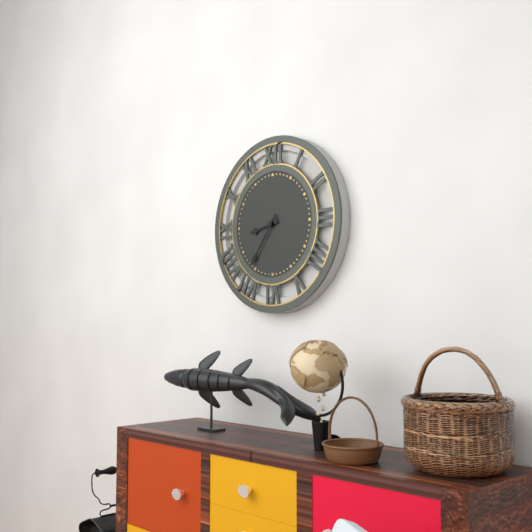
8:36
